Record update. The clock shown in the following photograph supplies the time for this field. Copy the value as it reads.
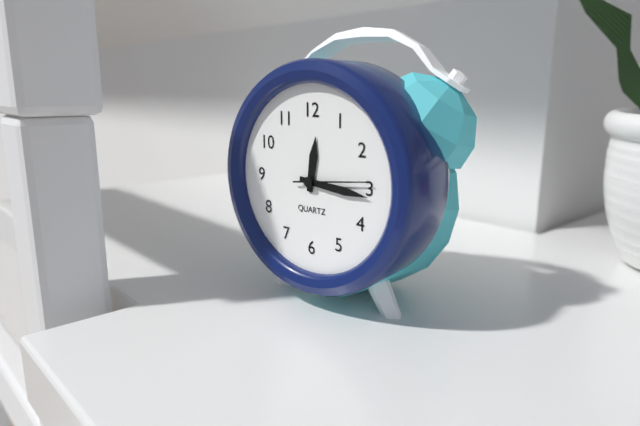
12:16:14
